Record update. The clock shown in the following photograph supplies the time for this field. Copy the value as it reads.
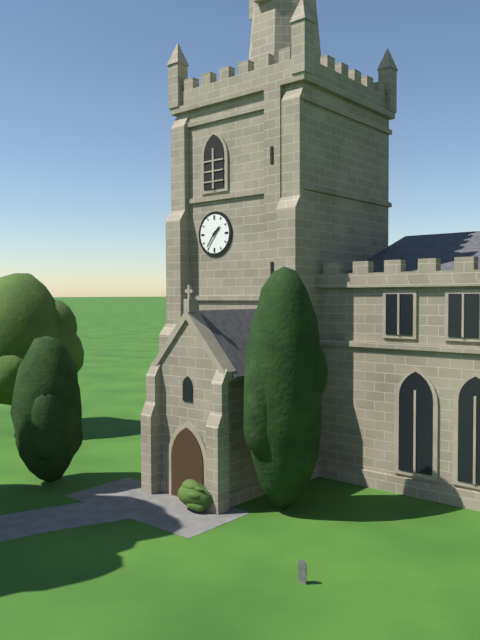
1:36
